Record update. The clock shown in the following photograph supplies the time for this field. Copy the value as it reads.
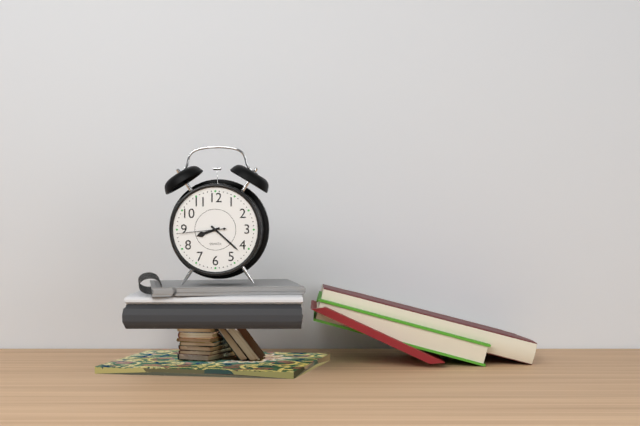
8:22
